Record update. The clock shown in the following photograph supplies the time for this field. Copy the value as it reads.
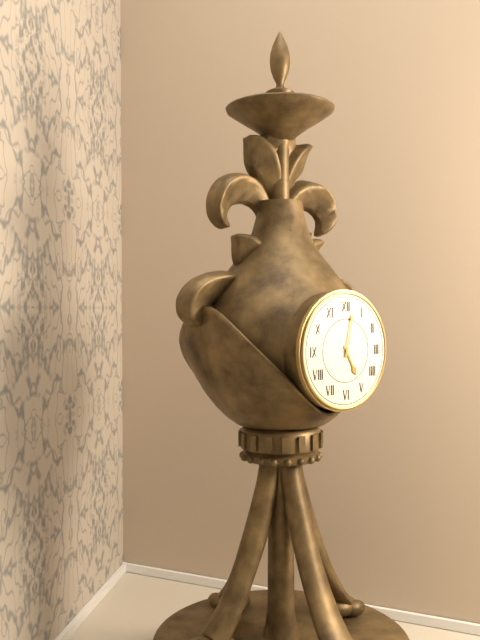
5:02
